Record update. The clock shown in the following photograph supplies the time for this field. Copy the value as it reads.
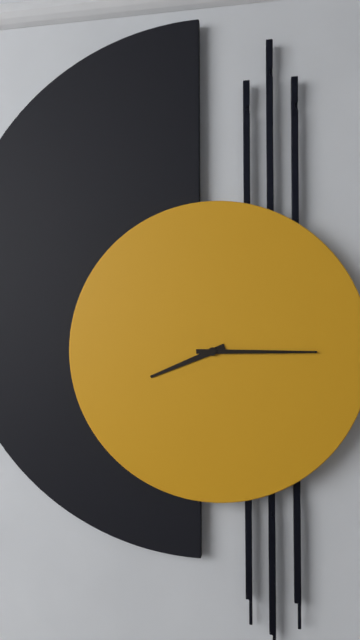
8:15
